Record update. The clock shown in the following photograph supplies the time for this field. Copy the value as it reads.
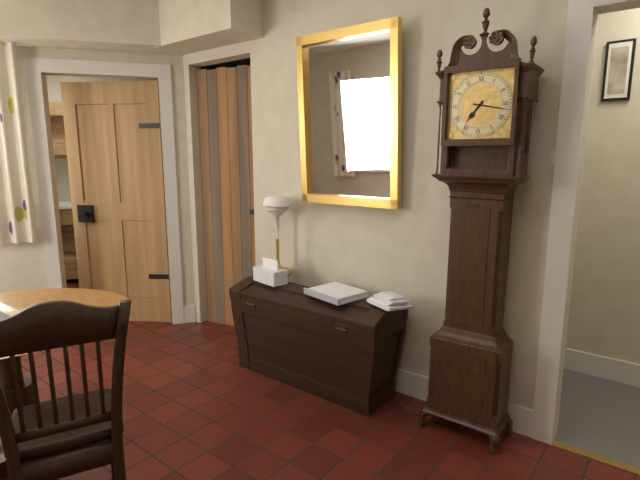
7:17
